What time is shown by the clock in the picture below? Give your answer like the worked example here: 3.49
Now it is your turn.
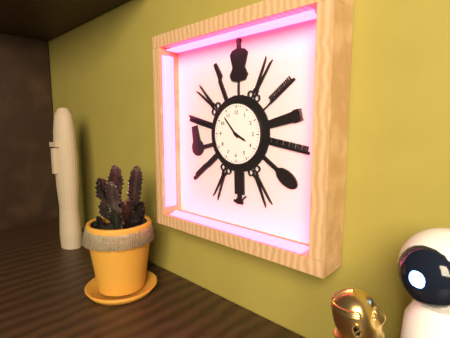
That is 3.53
